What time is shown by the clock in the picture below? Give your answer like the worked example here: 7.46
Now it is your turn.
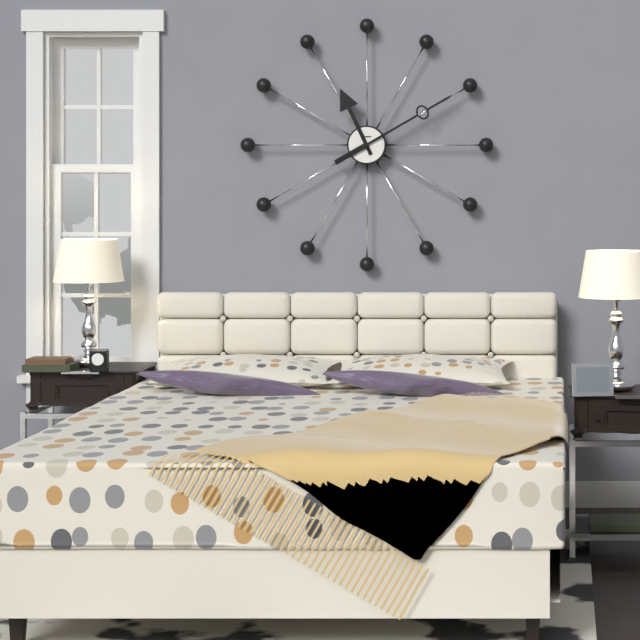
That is 11.10
